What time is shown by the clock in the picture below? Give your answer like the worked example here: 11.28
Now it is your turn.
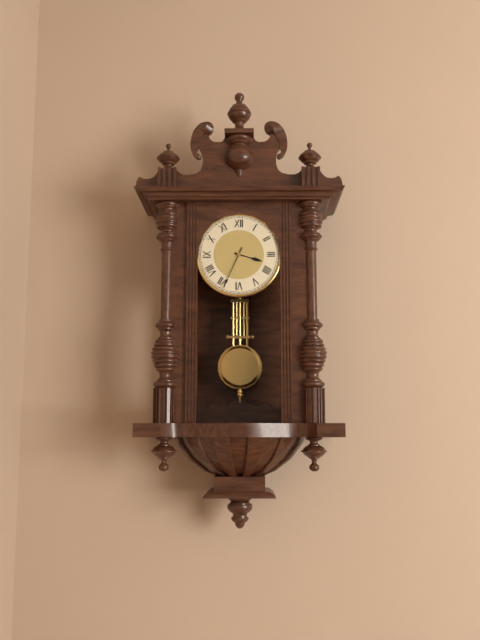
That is 3.34
